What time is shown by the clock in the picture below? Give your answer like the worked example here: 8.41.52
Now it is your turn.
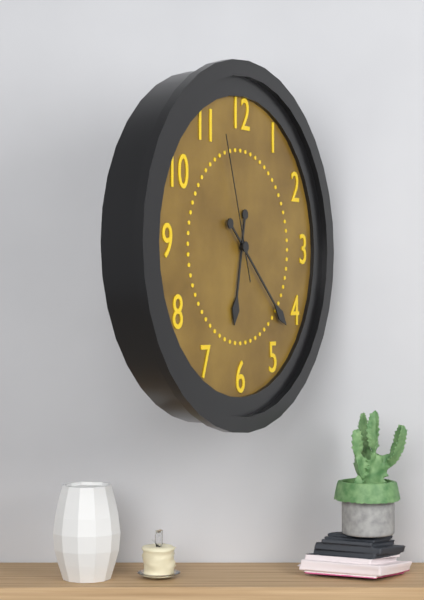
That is 6.22.57
